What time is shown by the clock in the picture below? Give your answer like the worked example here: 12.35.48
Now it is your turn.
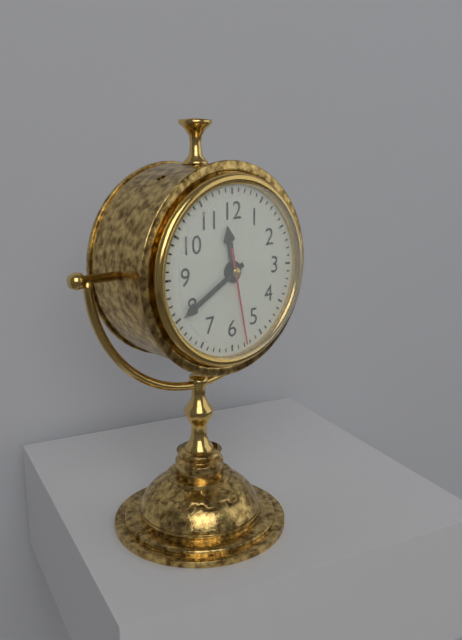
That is 11.40.28
